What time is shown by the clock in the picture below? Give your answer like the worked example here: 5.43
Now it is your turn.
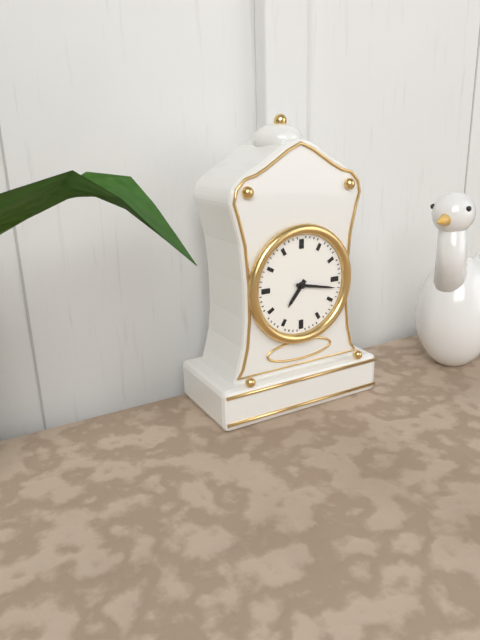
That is 7.17
